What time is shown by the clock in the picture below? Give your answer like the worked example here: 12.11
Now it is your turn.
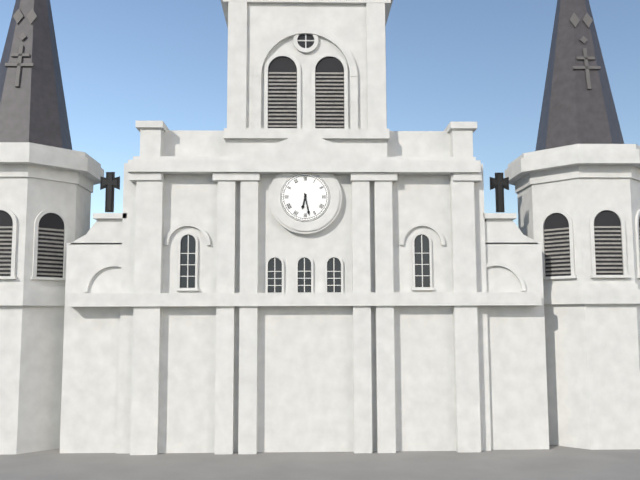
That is 6.28
